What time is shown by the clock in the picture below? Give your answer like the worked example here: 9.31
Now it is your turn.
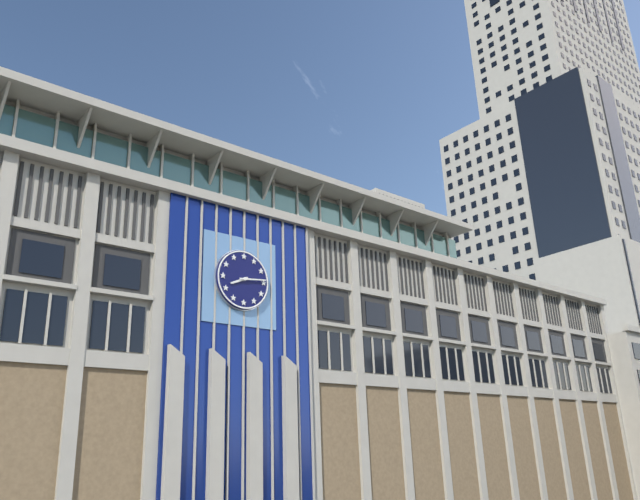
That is 8.14
